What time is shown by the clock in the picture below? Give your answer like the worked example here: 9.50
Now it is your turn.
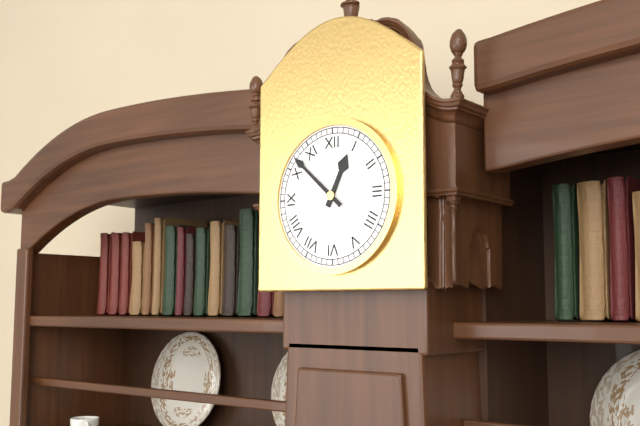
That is 12.52
